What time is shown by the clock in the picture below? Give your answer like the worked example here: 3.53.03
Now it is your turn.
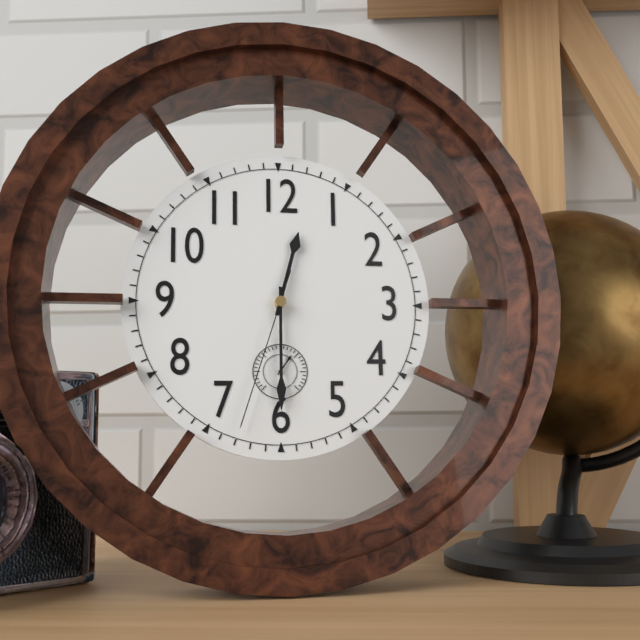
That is 12.30.33
